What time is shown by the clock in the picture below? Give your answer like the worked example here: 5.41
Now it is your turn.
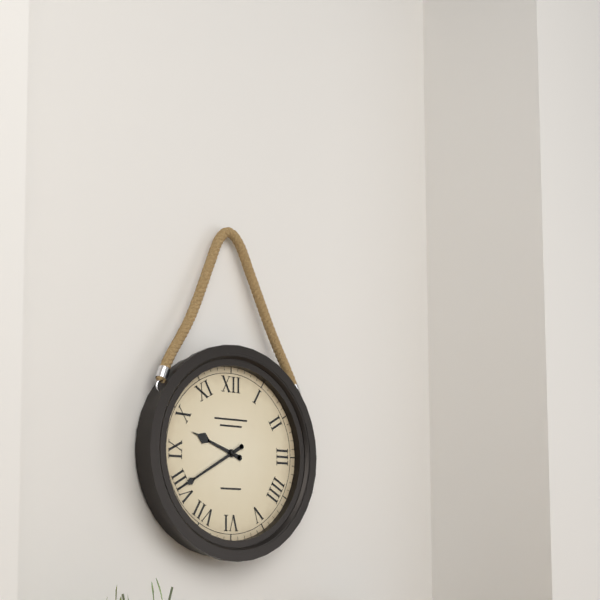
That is 9.40
